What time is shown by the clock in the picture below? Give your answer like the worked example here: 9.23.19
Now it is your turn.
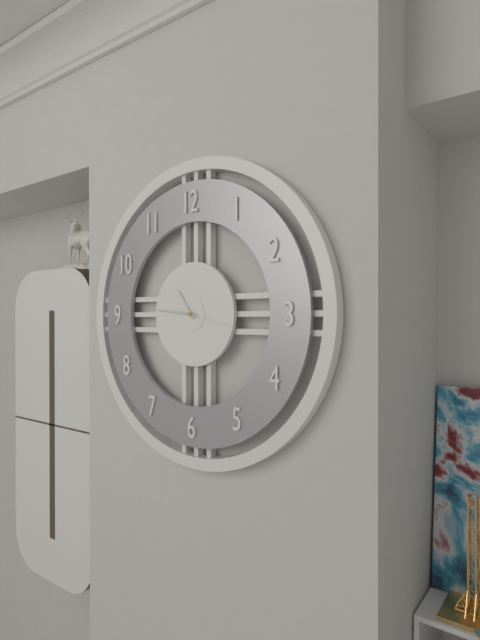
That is 10.46.17
